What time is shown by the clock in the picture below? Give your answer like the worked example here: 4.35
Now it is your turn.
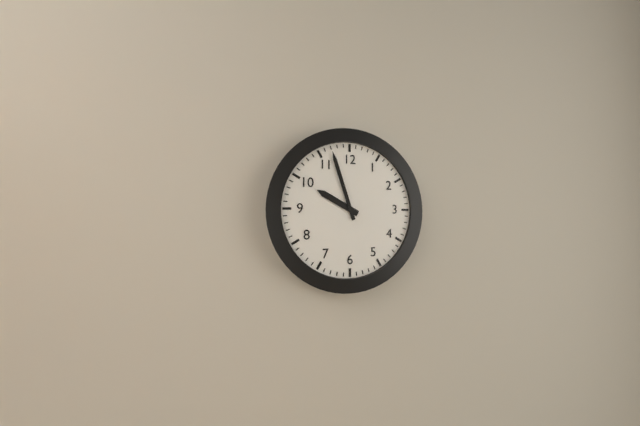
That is 9.57
